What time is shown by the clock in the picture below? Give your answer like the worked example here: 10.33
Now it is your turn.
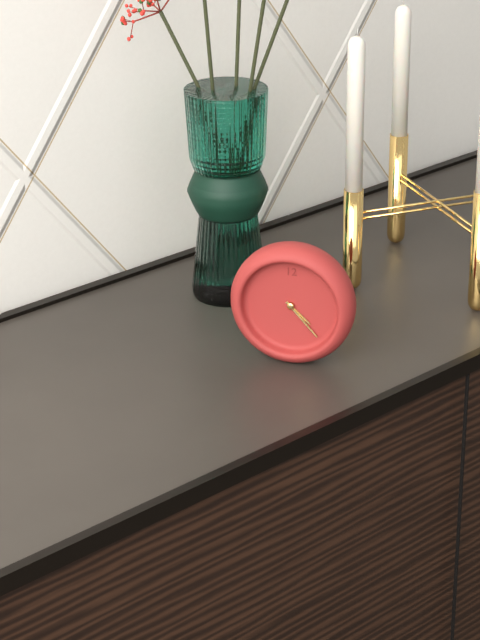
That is 4.23
